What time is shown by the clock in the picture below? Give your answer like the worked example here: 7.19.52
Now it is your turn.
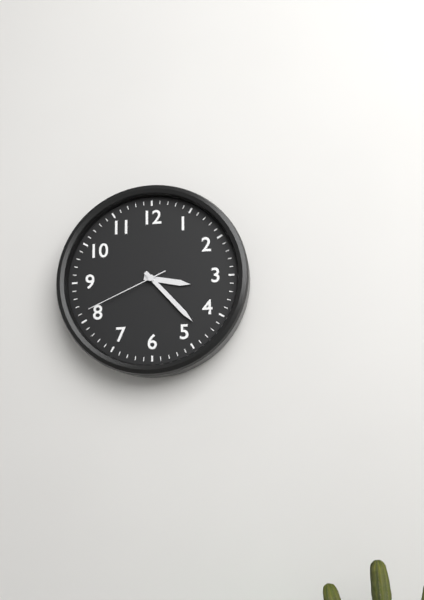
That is 3.23.41
